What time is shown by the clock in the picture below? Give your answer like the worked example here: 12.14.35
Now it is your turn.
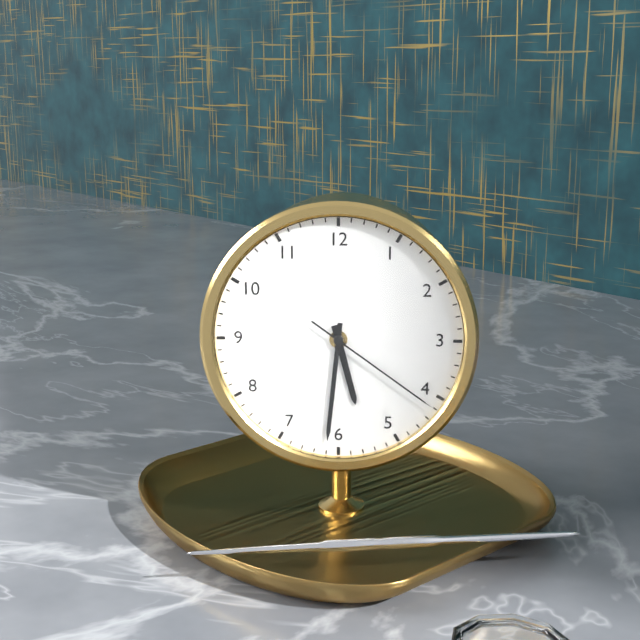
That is 5.31.21
